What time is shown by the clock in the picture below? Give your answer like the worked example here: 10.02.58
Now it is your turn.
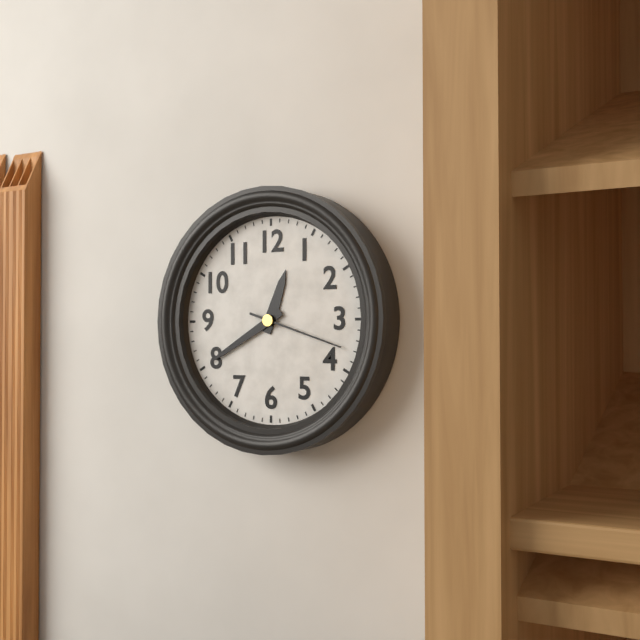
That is 12.40.18
